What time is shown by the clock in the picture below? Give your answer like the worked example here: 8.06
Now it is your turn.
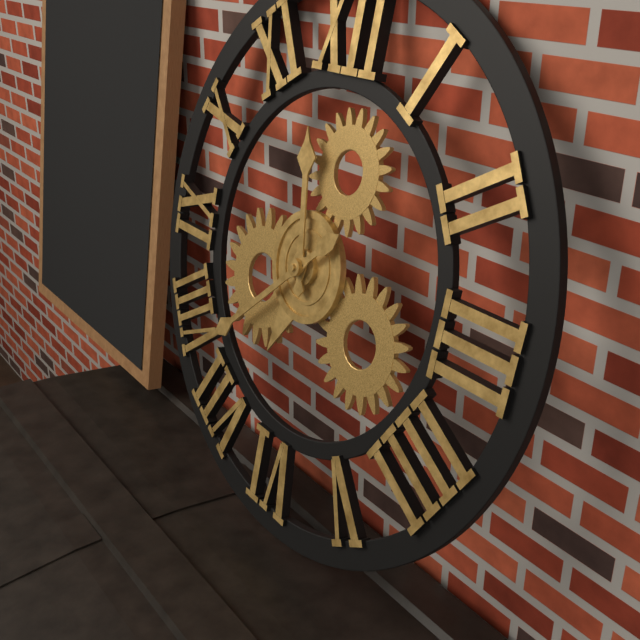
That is 11.38
